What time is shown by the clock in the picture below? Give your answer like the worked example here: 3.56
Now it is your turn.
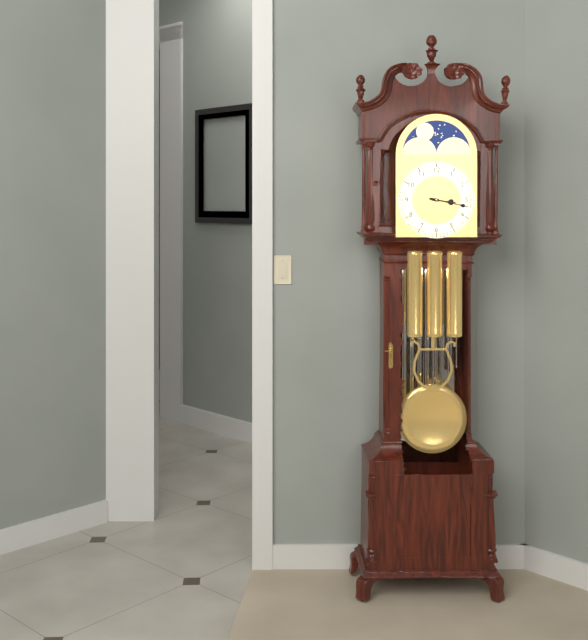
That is 3.17
